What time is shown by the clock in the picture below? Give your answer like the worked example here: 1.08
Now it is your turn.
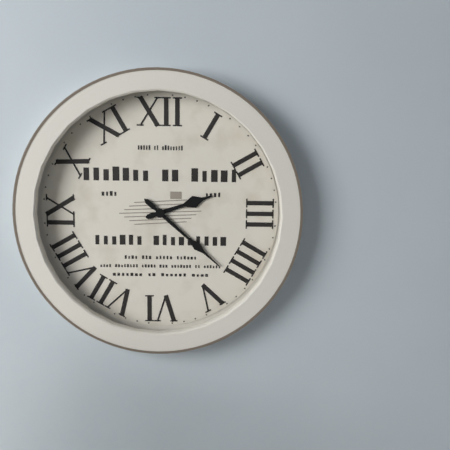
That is 2.22
